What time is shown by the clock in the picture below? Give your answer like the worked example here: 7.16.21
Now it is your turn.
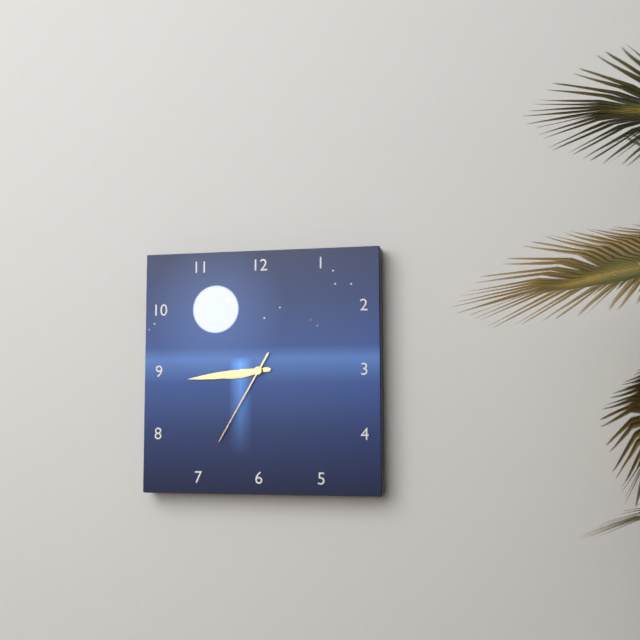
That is 8.44.35
